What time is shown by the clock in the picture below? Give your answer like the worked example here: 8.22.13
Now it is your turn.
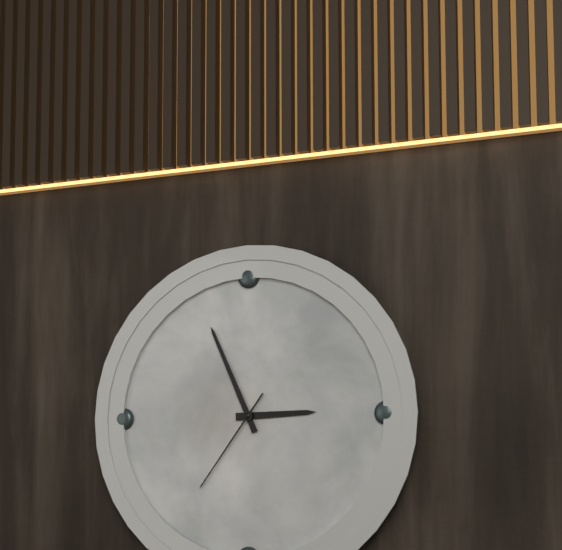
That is 2.56.36
